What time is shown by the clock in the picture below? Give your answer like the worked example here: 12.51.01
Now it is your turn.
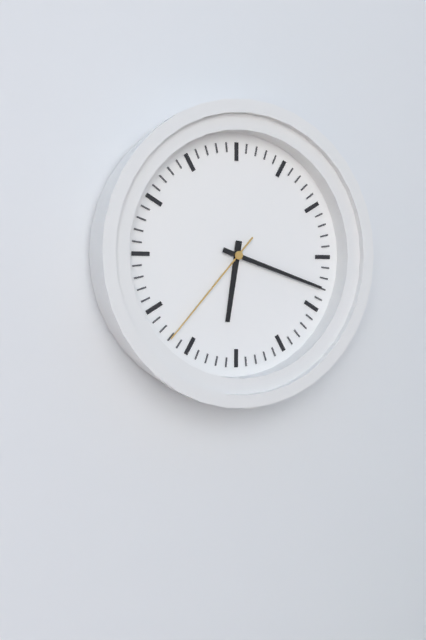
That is 6.18.37
